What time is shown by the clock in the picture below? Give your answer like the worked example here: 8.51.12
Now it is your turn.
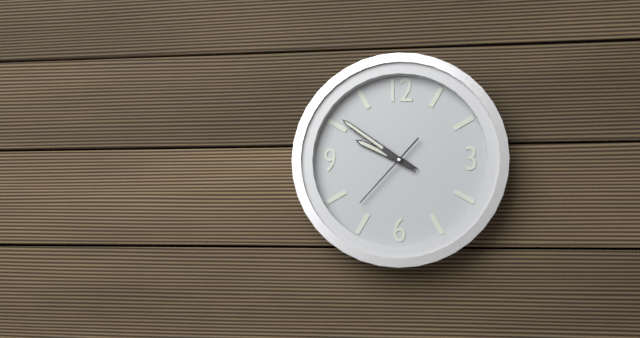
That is 9.51.37
